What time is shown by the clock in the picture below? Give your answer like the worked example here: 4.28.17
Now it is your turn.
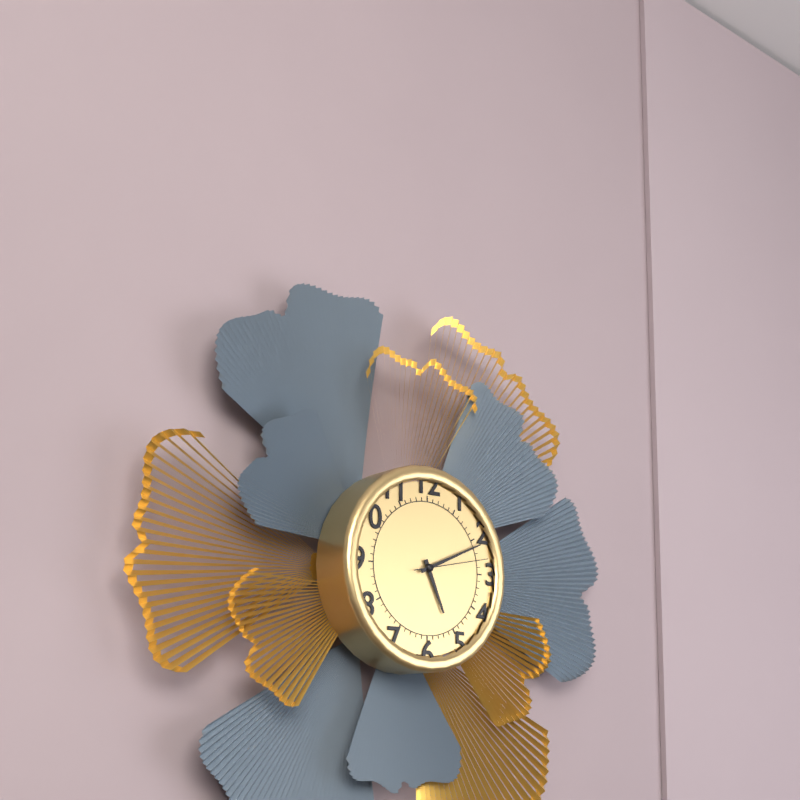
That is 5.11.13
